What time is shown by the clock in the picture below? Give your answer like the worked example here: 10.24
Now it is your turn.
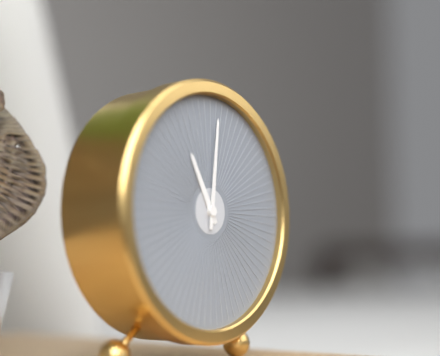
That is 11.01
